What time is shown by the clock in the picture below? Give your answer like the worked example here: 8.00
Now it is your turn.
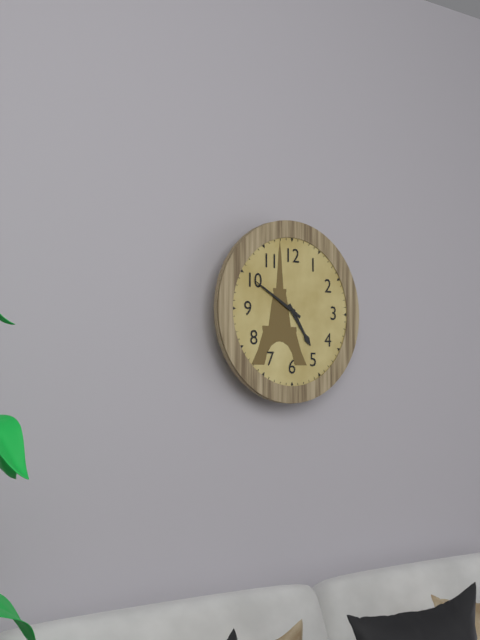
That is 4.50
